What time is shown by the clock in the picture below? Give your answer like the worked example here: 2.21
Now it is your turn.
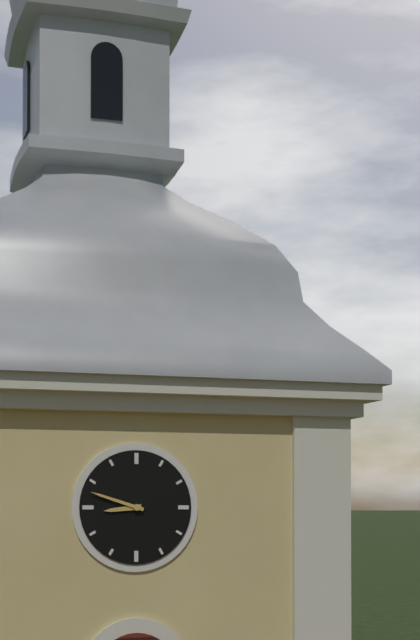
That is 8.48
